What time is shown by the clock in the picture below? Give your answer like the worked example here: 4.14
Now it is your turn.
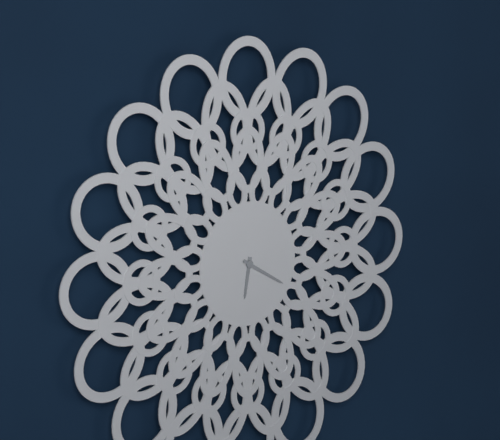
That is 6.20
